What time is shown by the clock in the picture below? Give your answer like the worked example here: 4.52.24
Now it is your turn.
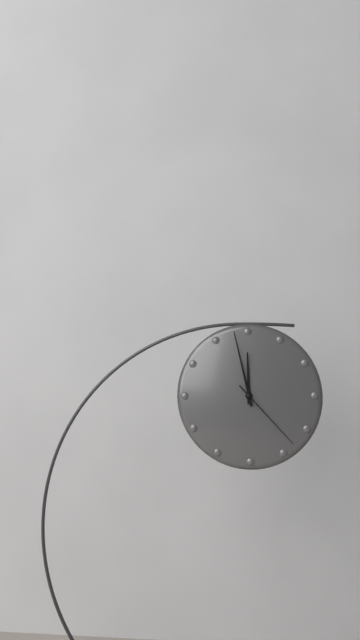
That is 11.58.23
